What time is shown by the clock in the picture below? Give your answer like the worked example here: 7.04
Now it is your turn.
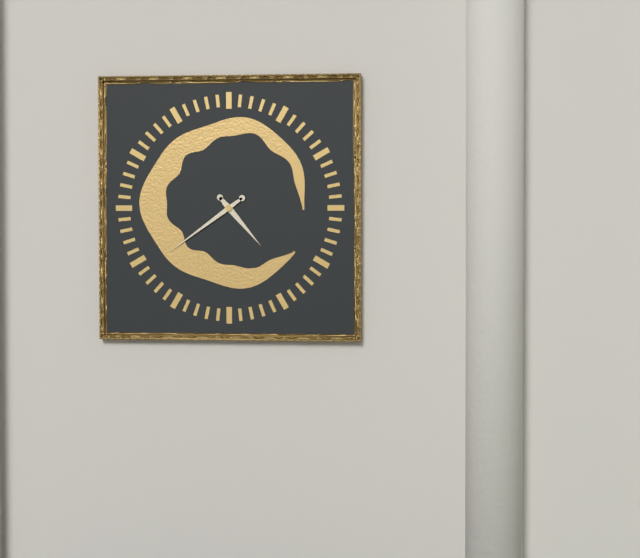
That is 4.39
